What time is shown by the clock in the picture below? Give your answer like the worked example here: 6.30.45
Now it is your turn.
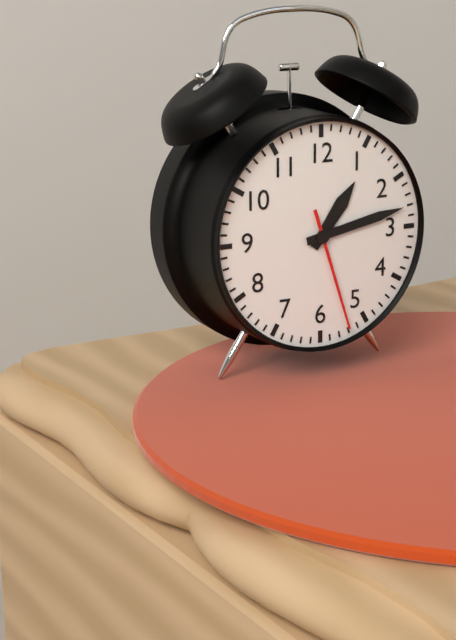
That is 1.13.27
